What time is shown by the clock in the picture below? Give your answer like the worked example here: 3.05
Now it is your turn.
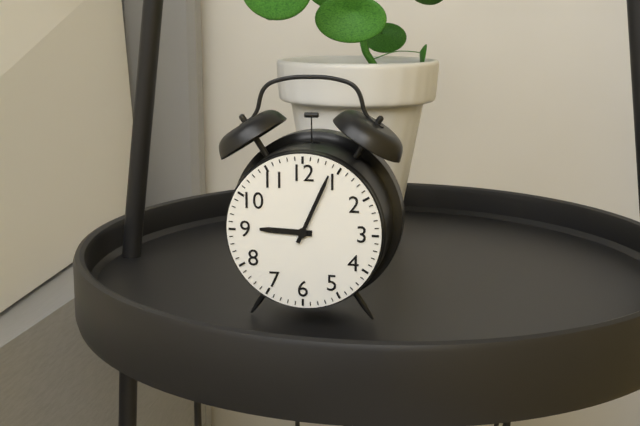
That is 9.04
